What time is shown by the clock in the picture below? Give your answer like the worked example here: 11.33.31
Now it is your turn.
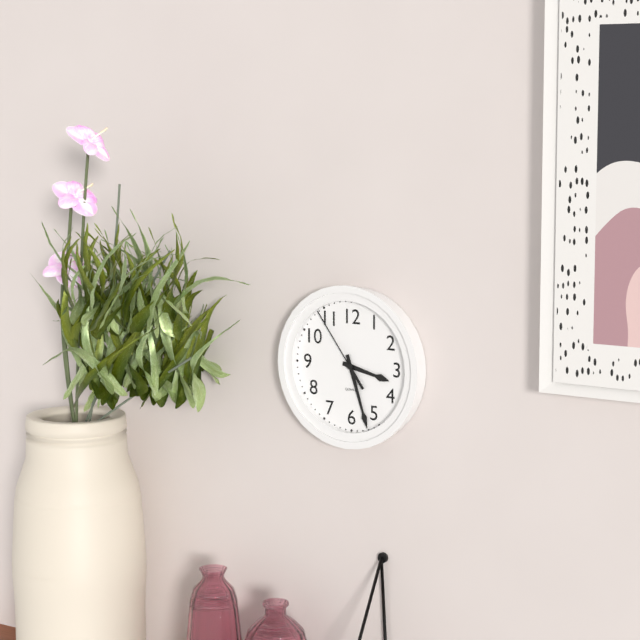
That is 3.27.54
